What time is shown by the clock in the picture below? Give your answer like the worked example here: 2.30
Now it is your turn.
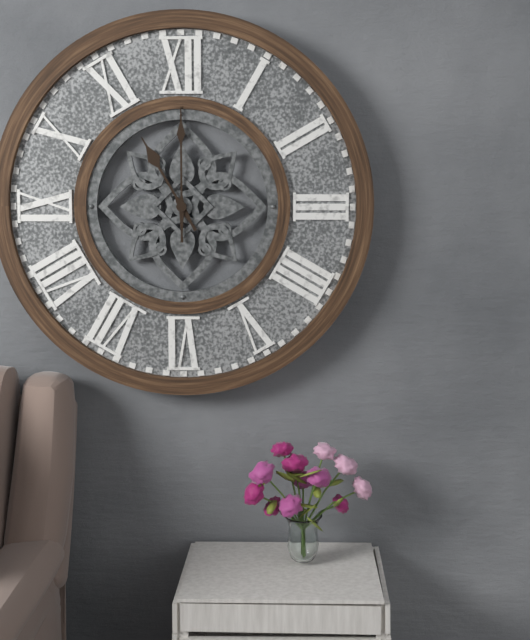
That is 11.00
